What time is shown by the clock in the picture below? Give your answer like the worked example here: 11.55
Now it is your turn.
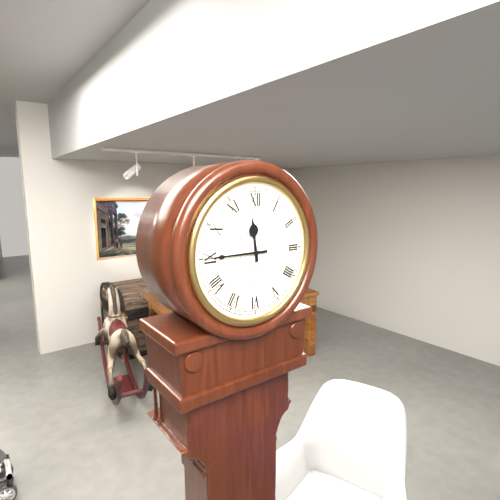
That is 11.45
